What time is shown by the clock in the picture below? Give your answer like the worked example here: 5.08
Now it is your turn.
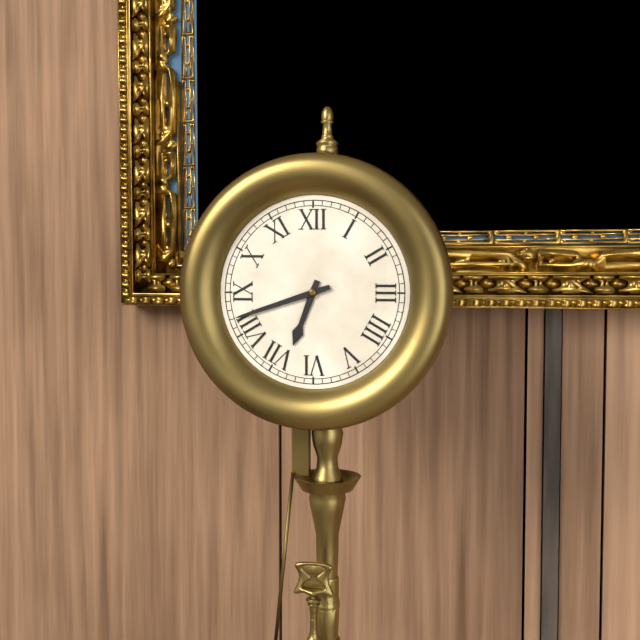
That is 6.42
